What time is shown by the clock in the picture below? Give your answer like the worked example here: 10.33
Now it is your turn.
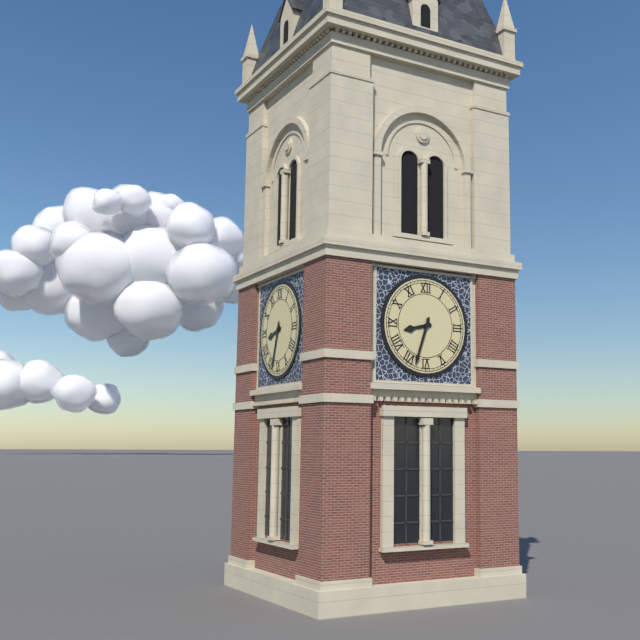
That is 8.33
